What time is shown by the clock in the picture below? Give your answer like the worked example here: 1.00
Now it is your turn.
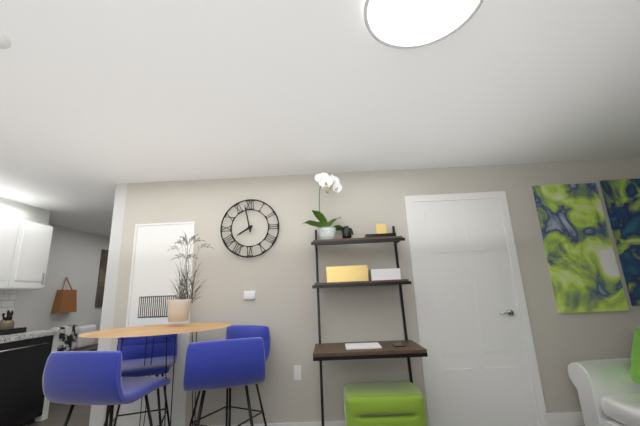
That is 7.58
